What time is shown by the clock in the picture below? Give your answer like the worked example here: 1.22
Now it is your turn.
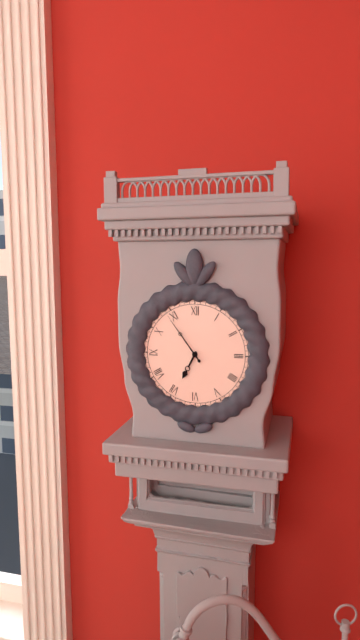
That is 6.54
